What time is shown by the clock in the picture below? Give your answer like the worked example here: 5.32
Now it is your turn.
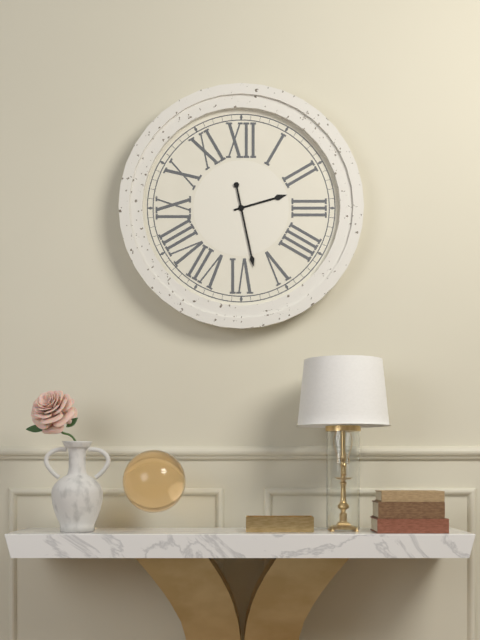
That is 2.28
